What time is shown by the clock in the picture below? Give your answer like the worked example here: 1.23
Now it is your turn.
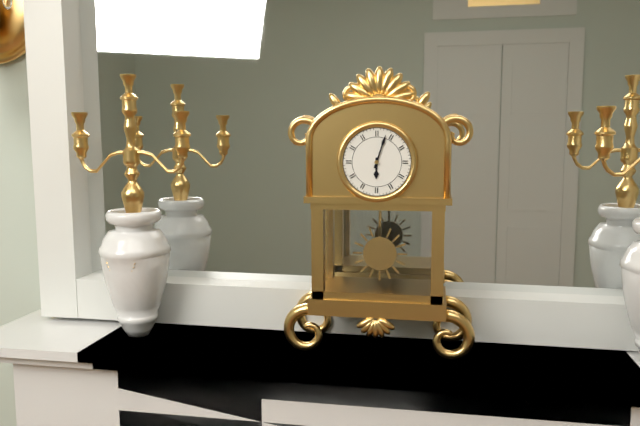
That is 6.03
